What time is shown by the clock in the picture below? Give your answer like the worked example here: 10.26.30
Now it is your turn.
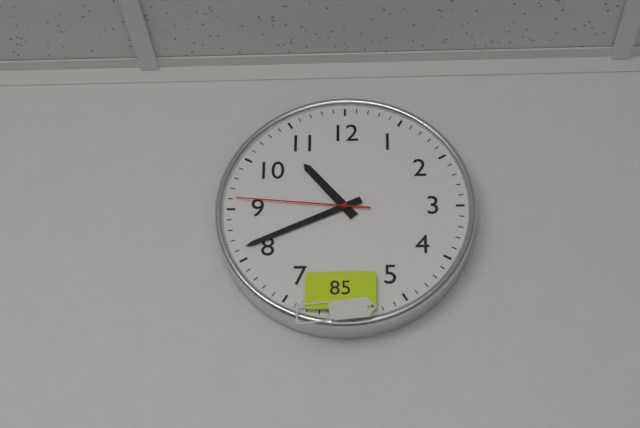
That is 10.41.46
